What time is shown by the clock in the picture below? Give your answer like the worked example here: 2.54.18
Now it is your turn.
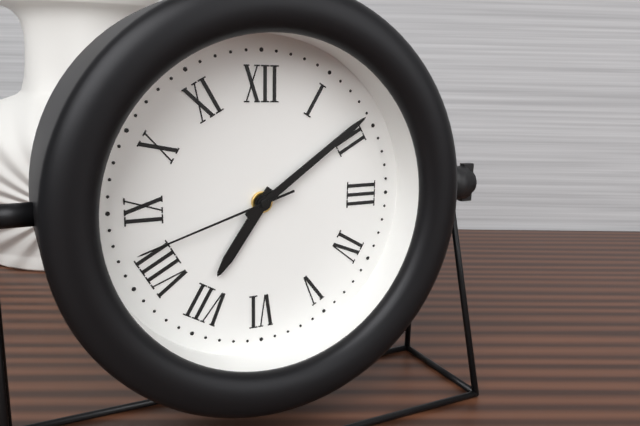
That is 7.09.42
